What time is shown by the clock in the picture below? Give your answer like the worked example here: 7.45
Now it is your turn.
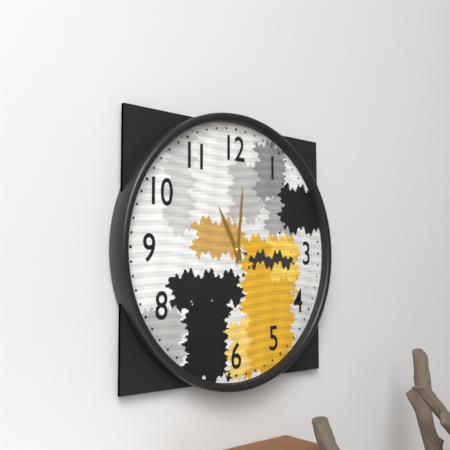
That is 11.01
